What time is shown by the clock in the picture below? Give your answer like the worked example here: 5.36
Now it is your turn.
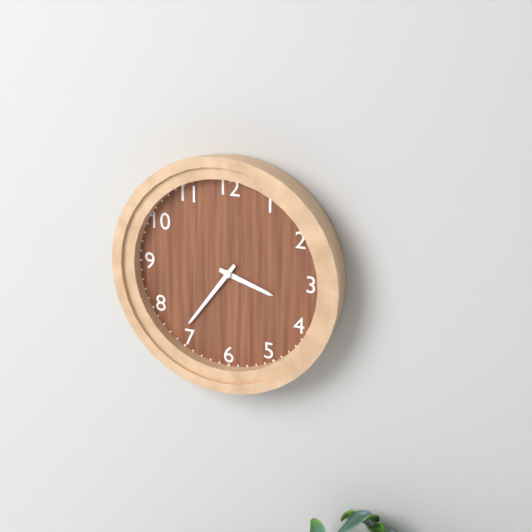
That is 3.36
